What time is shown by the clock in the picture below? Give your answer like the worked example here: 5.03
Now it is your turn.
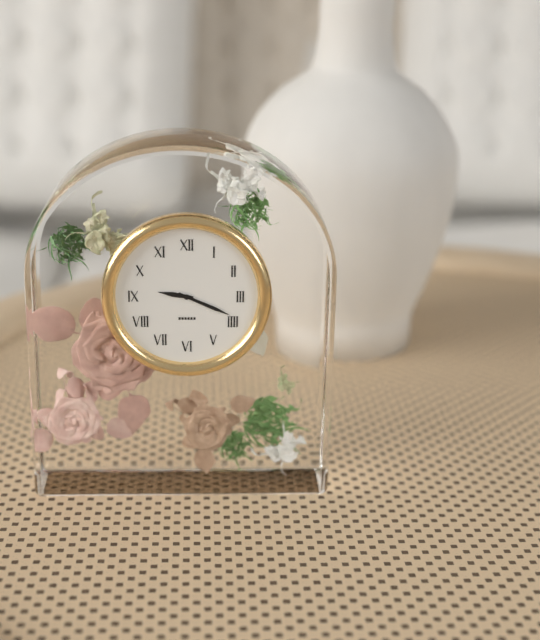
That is 9.19
